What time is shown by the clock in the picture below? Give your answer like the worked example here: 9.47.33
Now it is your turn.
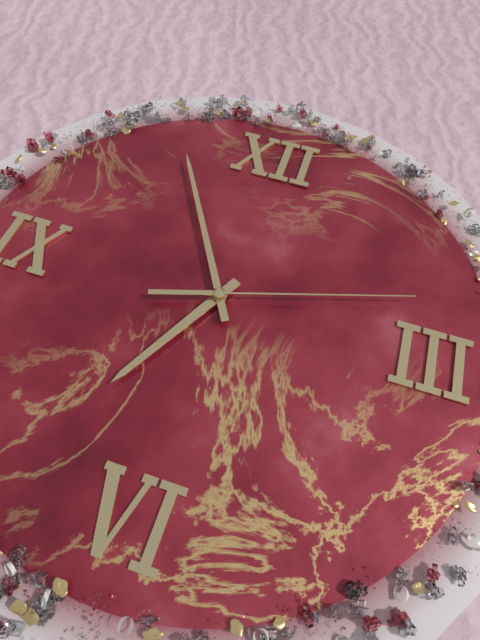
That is 6.55.12
